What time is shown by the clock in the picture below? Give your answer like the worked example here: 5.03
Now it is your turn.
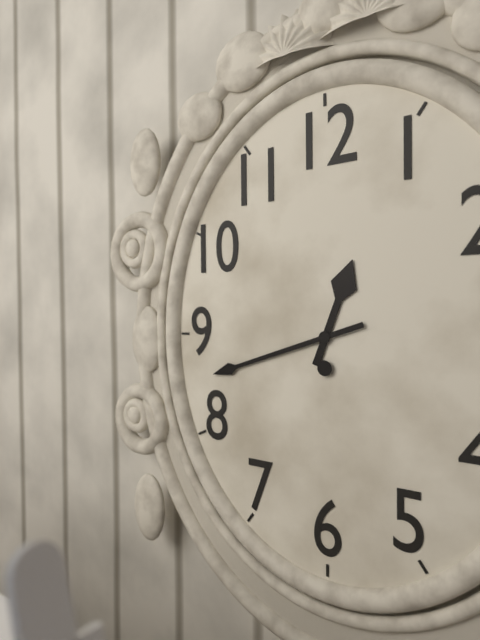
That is 12.42
